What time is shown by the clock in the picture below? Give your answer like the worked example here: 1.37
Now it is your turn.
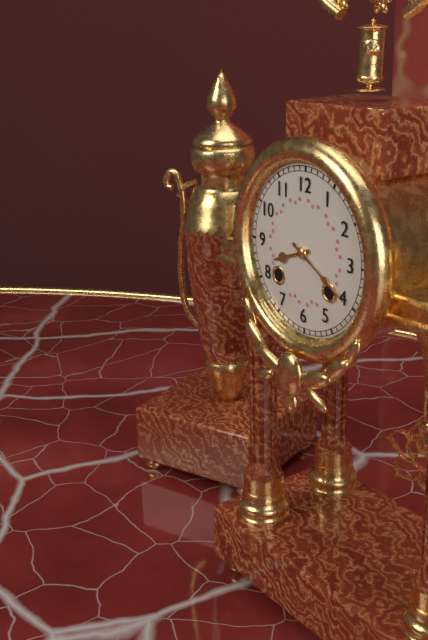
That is 8.20
